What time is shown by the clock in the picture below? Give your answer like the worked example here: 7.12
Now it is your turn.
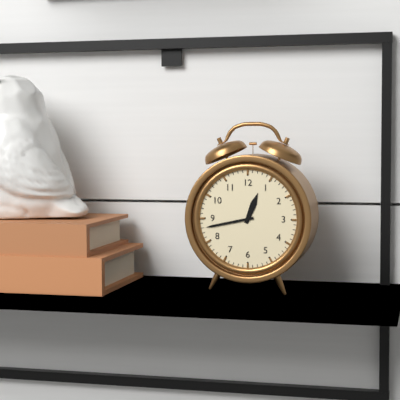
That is 12.43
